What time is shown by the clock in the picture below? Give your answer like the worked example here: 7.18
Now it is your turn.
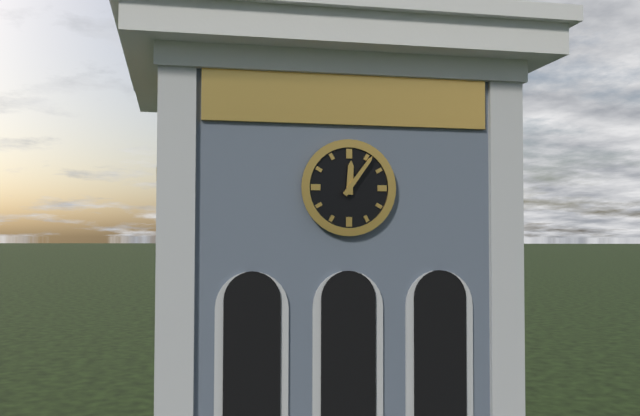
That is 12.06
